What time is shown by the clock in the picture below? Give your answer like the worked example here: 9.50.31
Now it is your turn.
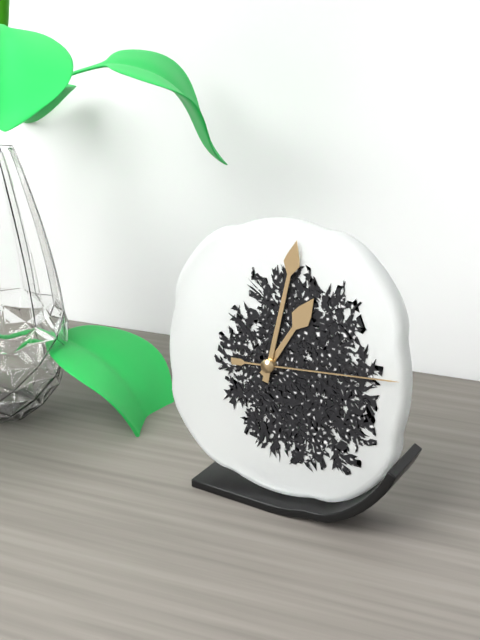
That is 1.02.14
